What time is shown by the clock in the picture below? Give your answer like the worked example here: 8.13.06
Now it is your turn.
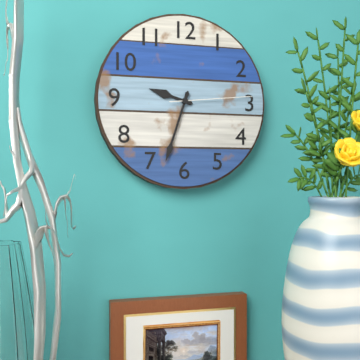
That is 9.33.14
